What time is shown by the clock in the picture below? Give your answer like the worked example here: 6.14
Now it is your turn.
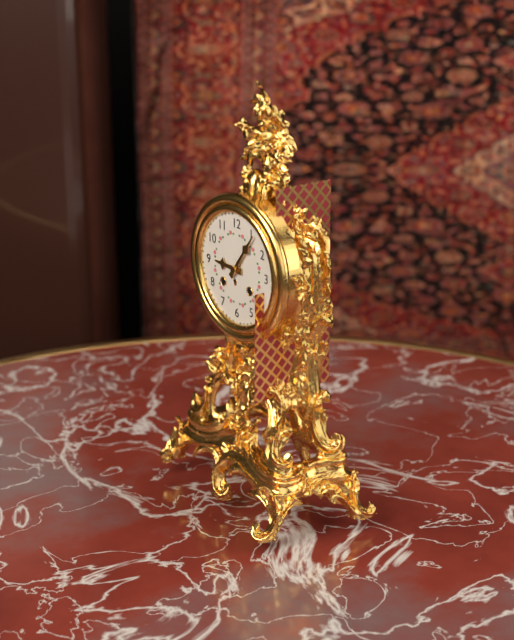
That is 9.06
